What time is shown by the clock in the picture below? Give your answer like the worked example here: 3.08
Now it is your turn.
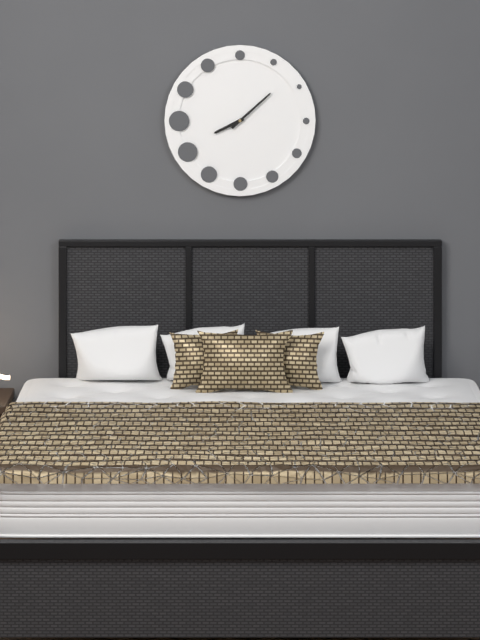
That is 8.08
